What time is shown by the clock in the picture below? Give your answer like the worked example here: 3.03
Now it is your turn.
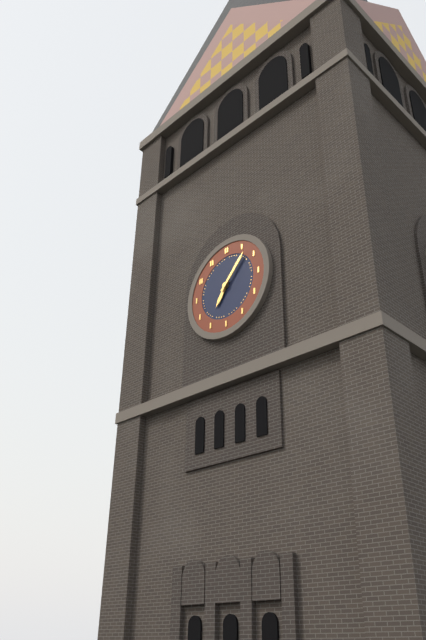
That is 7.07
